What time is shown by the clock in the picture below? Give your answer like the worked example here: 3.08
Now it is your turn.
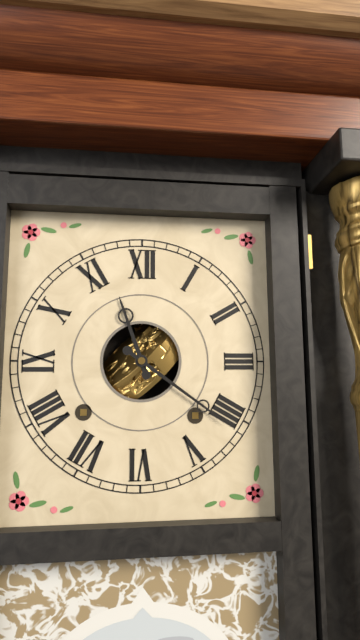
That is 11.21
